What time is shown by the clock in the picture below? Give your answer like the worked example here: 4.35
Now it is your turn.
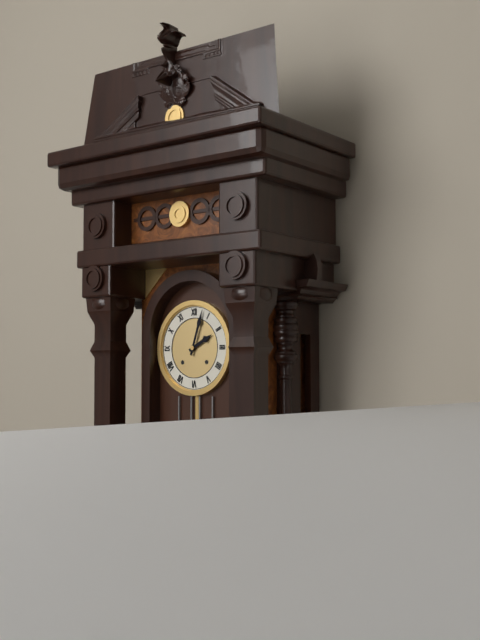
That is 2.03
